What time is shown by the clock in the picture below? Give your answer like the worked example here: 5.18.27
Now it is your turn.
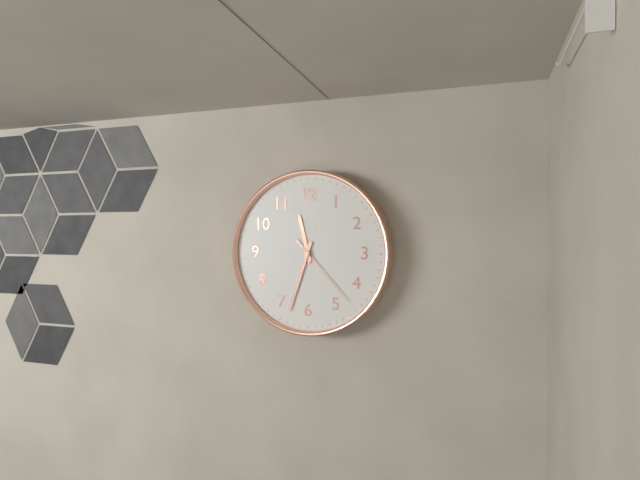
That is 11.33.23
